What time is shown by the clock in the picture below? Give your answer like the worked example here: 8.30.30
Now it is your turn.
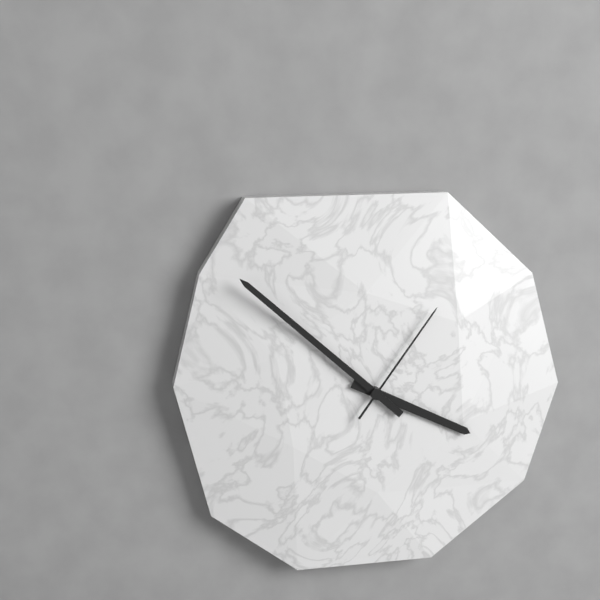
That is 3.52.06
